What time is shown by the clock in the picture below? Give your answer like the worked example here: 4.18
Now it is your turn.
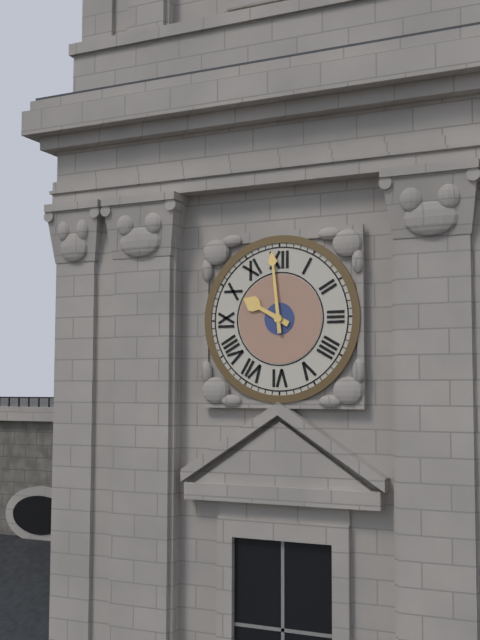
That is 9.59
